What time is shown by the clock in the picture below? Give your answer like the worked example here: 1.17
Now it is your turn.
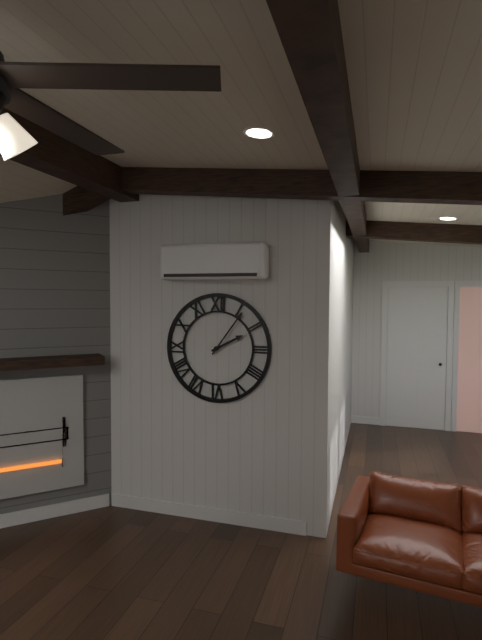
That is 2.06
